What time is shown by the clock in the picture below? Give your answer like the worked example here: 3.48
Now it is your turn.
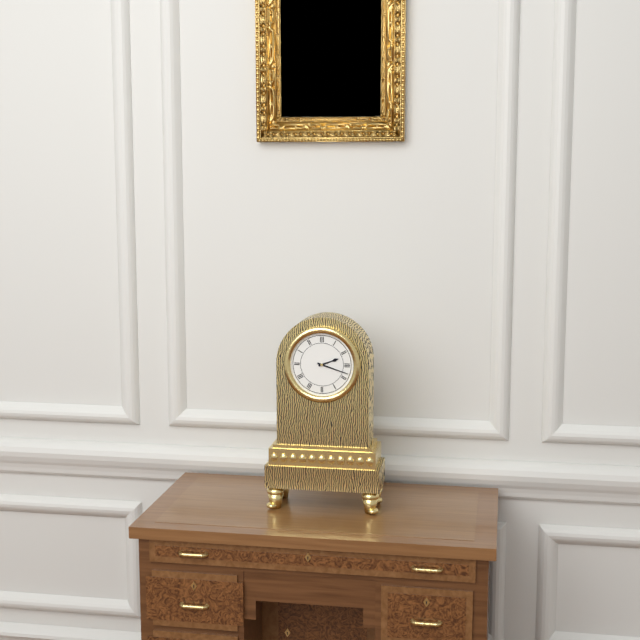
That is 2.18
